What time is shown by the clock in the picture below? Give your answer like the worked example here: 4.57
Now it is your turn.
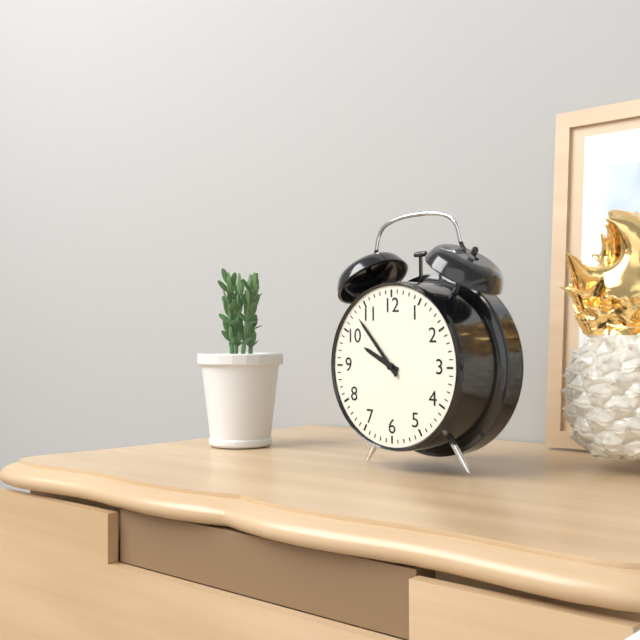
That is 9.53
